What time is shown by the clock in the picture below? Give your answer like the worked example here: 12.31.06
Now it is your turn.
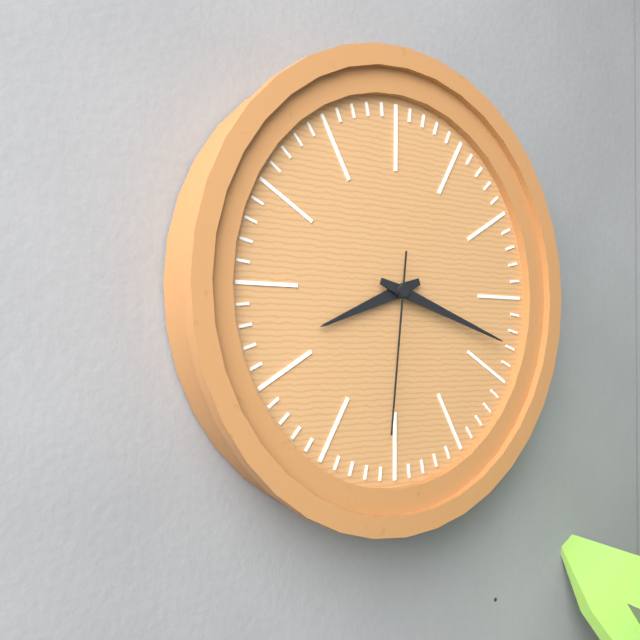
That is 8.18.31
